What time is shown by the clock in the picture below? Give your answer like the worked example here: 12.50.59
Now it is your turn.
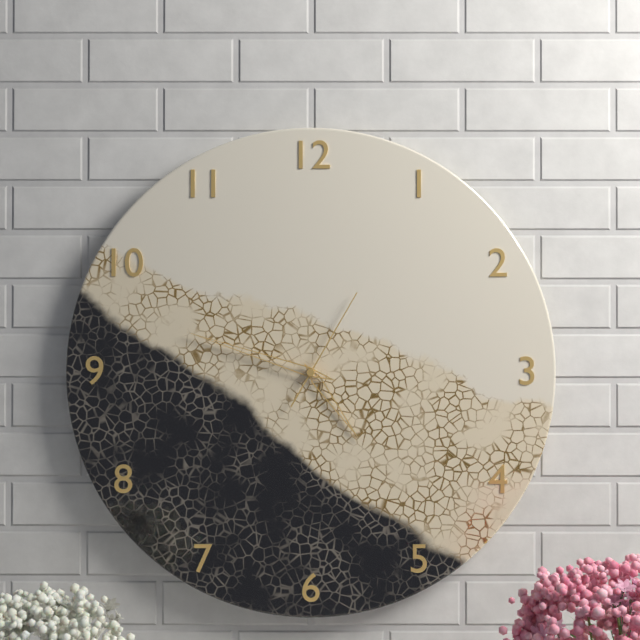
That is 4.48.05
